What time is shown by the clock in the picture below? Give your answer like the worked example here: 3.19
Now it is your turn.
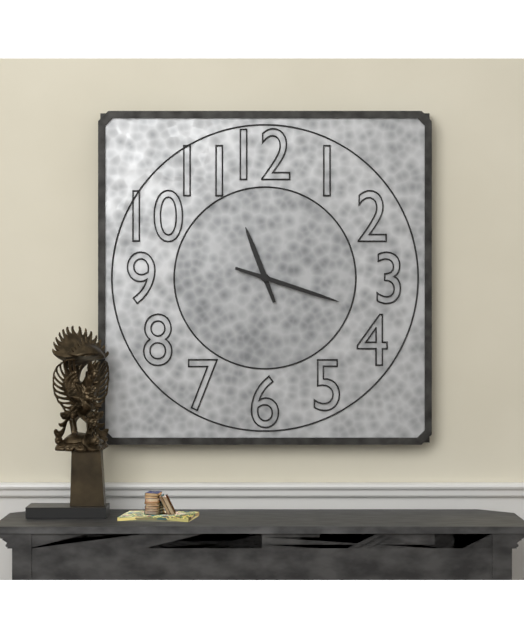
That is 11.18
